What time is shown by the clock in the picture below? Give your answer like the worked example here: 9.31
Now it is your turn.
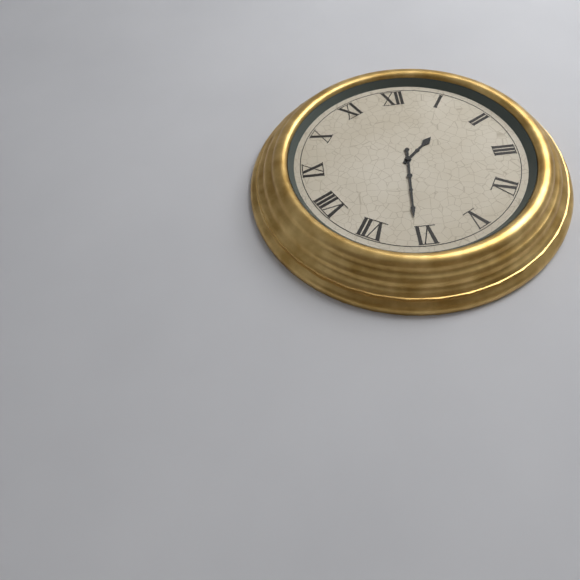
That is 1.31
